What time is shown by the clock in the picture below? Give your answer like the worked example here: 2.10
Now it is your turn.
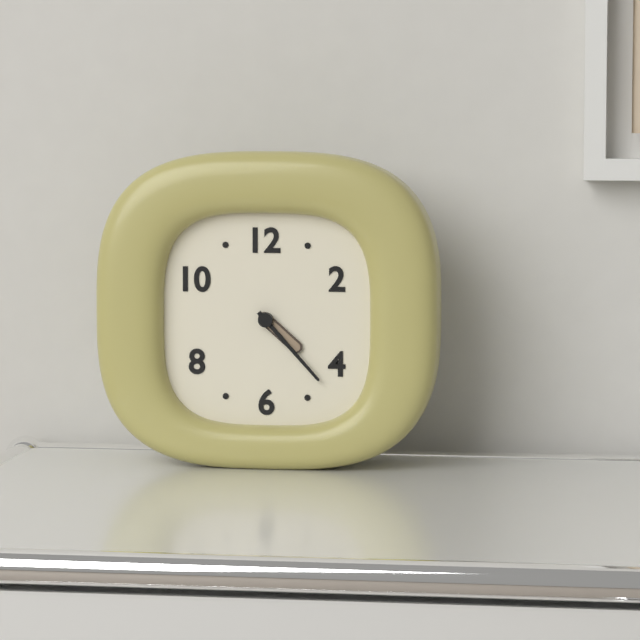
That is 4.23
